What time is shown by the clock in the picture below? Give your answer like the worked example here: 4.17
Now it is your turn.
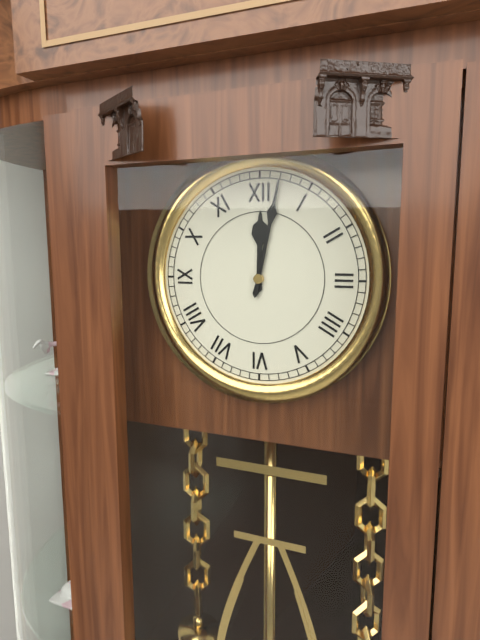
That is 12.02
